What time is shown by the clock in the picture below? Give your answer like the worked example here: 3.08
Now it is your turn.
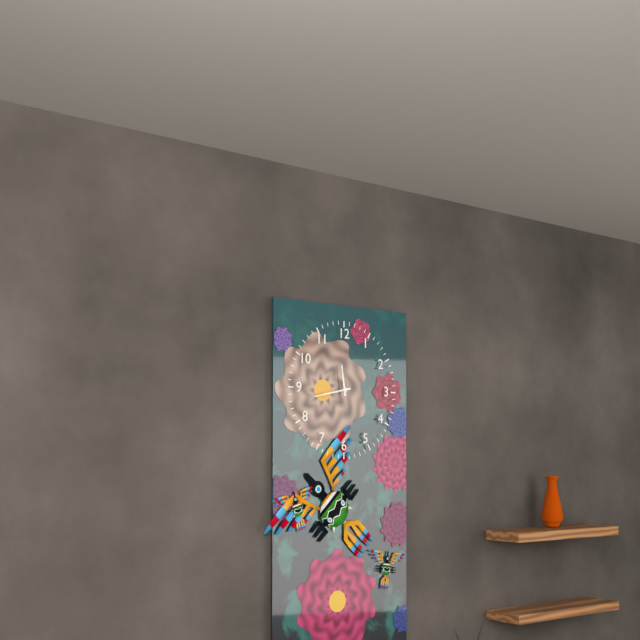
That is 11.43
